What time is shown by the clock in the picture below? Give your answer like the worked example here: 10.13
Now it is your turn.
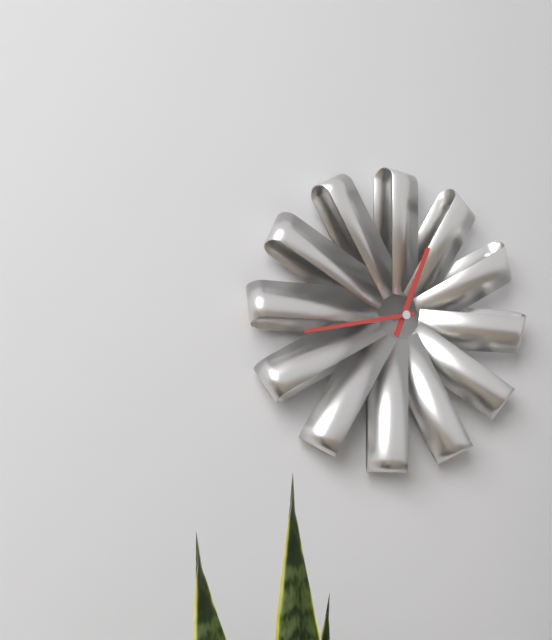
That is 12.43
